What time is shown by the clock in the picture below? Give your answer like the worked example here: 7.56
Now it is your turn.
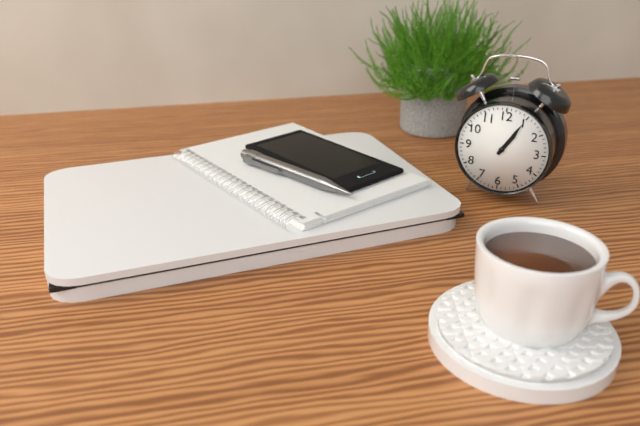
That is 1.05
